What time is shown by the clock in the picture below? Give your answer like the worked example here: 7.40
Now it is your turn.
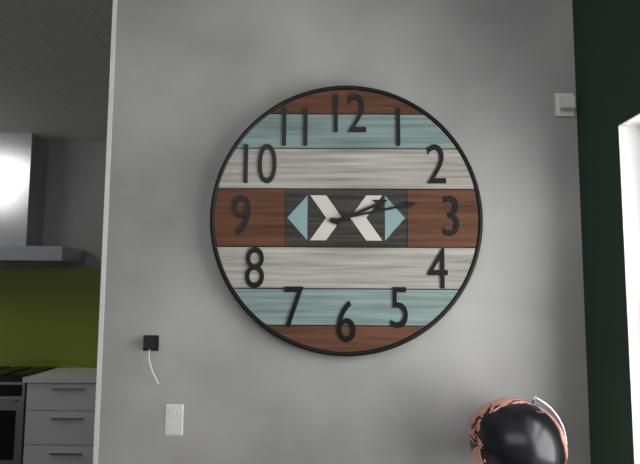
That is 2.13
